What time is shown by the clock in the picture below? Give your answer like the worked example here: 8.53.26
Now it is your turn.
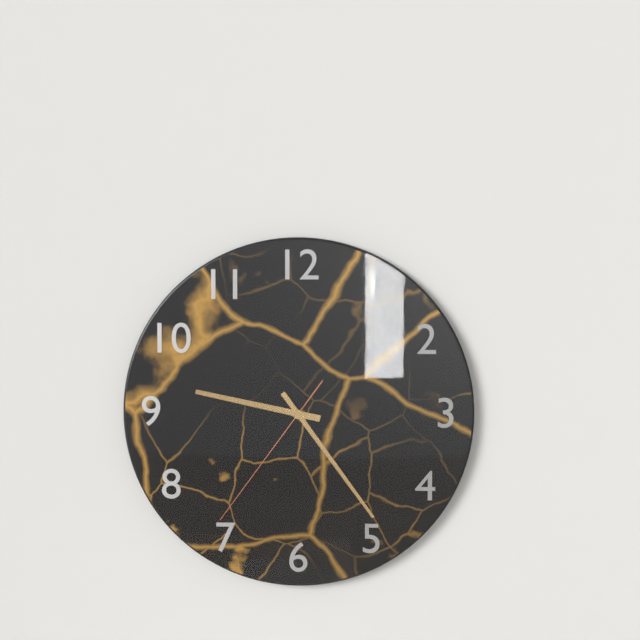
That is 9.24.36
